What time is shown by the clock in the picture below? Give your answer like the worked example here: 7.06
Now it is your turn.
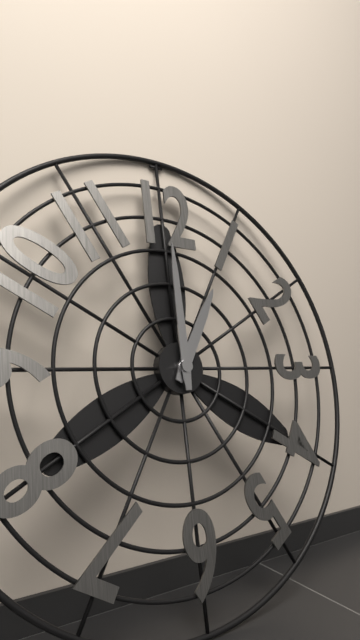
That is 1.00
